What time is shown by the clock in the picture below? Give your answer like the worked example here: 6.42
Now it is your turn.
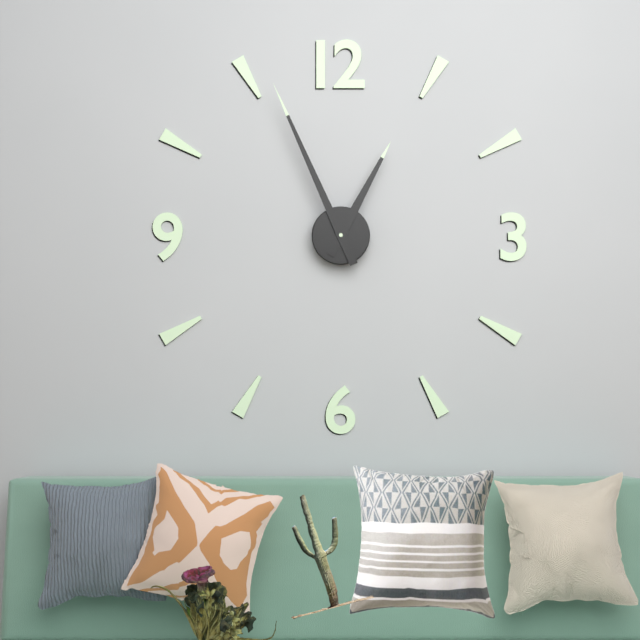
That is 12.56
